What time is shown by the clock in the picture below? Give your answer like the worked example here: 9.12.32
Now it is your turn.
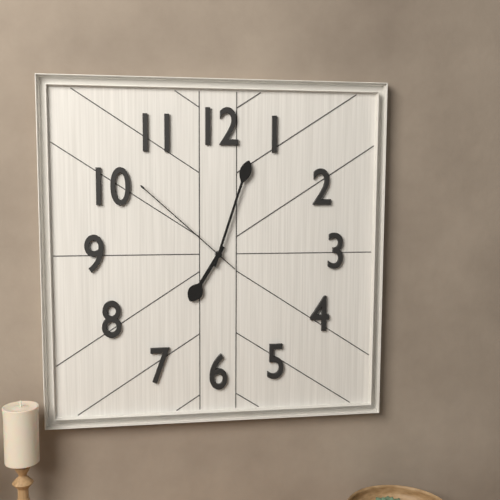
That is 7.03.52
